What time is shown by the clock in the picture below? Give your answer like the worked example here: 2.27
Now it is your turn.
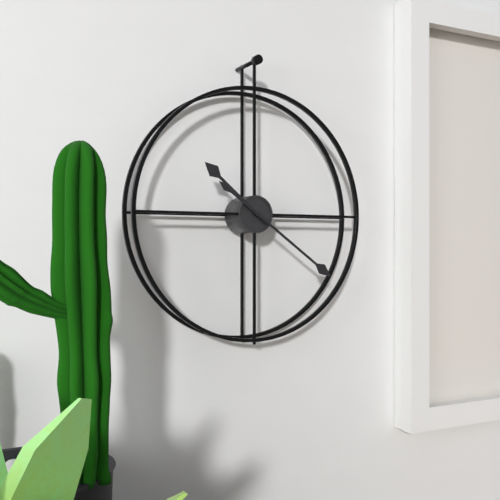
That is 10.21
